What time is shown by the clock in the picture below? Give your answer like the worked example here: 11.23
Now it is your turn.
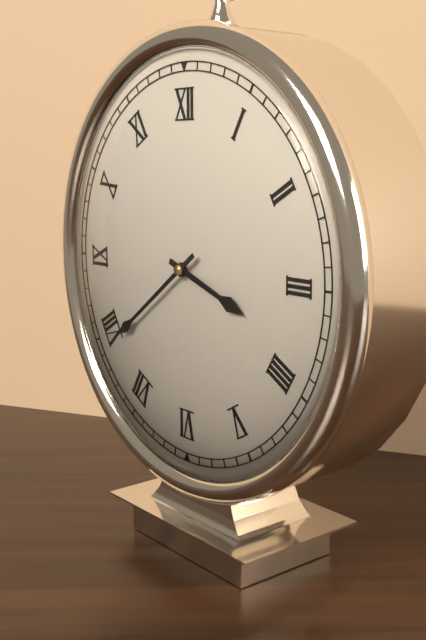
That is 3.39
